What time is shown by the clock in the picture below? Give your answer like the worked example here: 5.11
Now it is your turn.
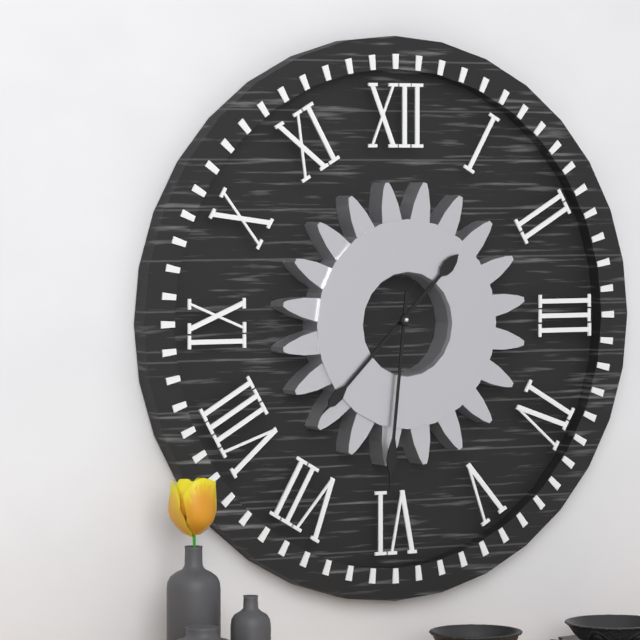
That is 7.31
